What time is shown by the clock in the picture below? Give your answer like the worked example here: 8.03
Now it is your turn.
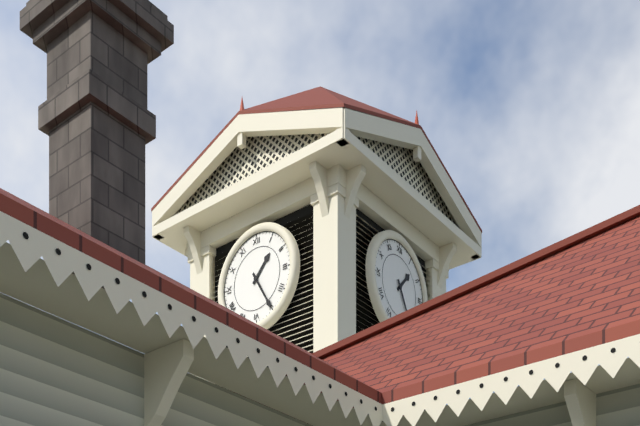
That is 1.25
